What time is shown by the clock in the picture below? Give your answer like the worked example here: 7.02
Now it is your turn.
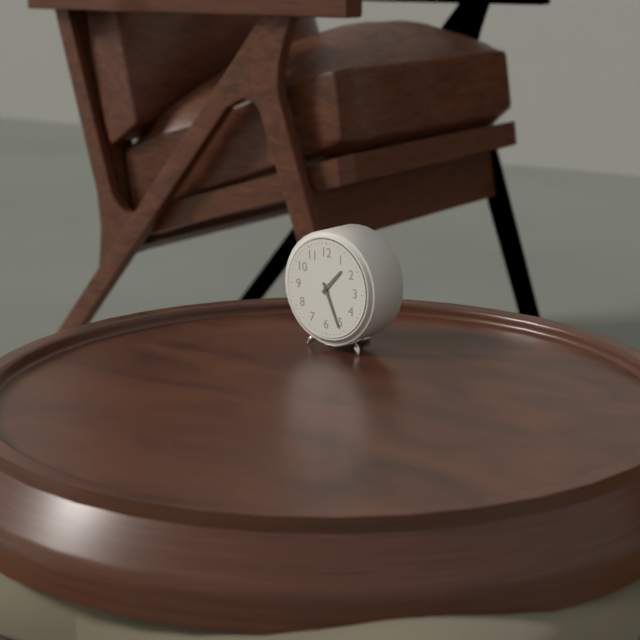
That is 1.26
